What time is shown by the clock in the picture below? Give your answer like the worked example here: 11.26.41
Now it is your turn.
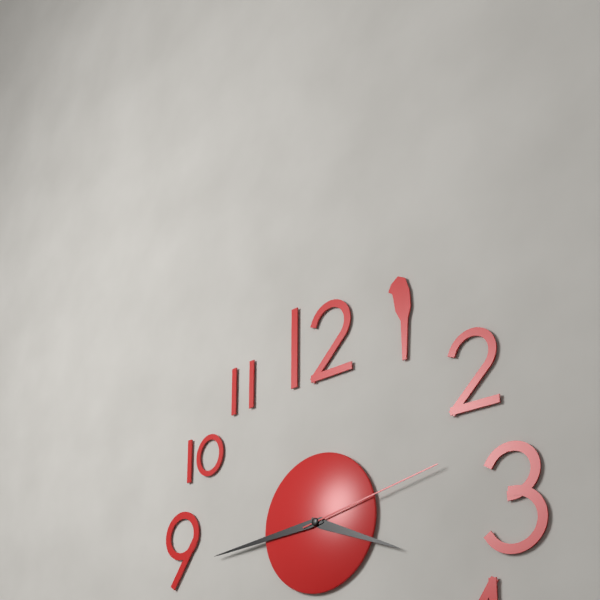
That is 3.44.13
